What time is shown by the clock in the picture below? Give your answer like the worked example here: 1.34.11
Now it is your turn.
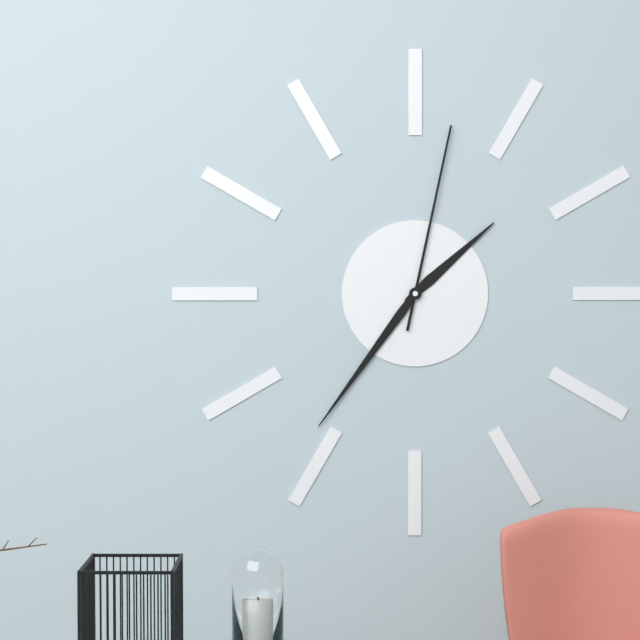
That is 1.36.02
